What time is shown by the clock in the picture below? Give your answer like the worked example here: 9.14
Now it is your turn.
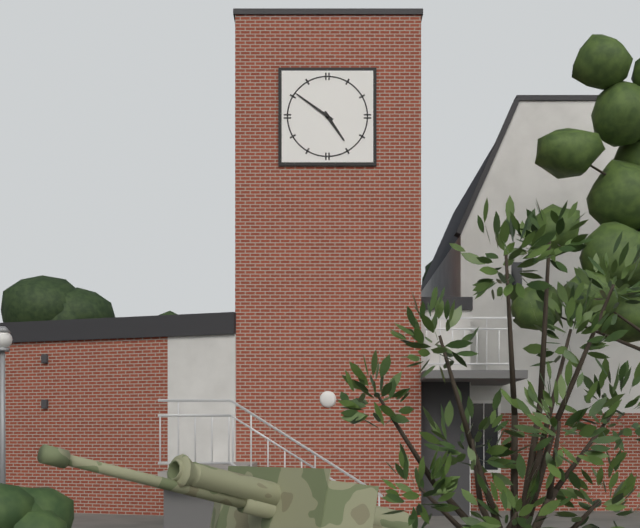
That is 4.51
